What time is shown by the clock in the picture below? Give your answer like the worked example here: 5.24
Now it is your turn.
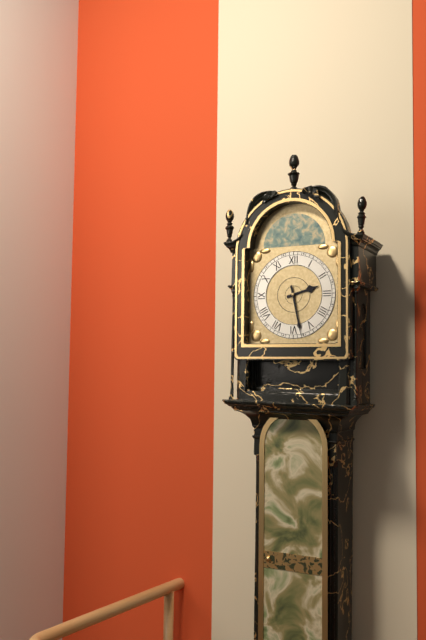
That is 2.28
